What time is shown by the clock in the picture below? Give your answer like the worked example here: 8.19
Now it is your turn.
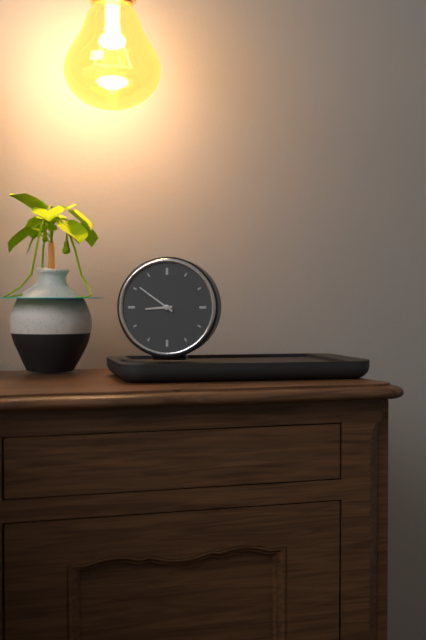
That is 8.51
